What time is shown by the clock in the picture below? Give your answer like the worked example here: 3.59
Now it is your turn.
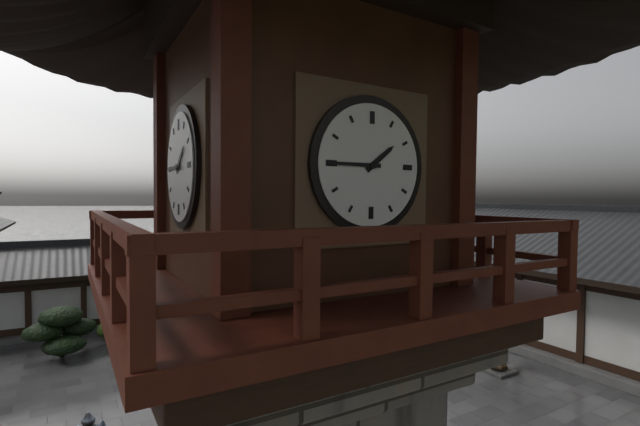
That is 1.45
